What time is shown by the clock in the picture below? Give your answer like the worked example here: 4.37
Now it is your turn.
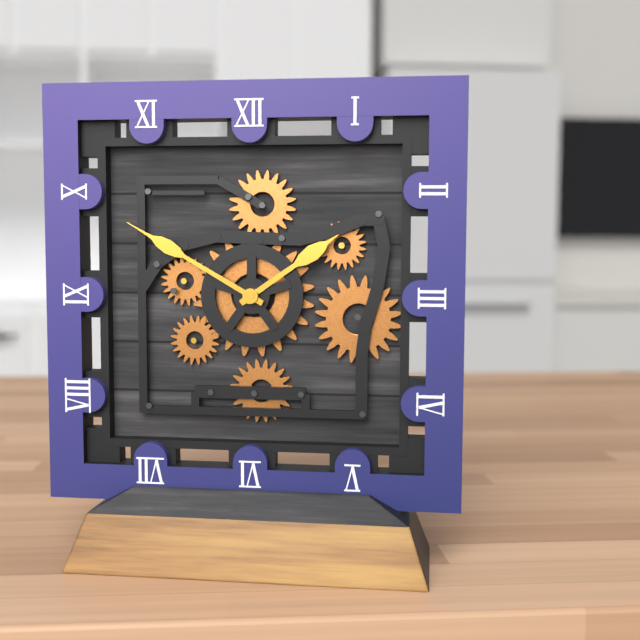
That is 1.50
